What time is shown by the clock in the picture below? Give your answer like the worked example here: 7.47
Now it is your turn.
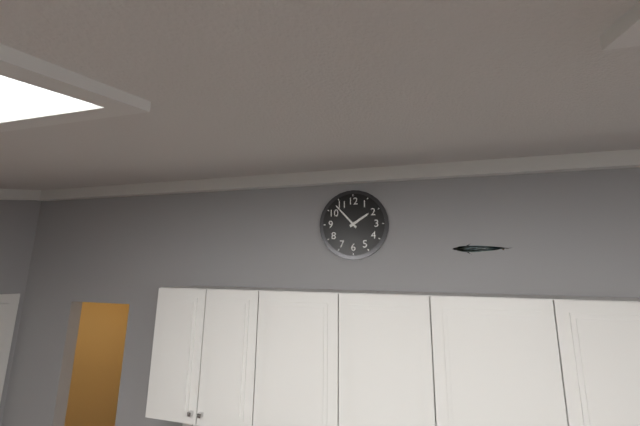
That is 1.53
